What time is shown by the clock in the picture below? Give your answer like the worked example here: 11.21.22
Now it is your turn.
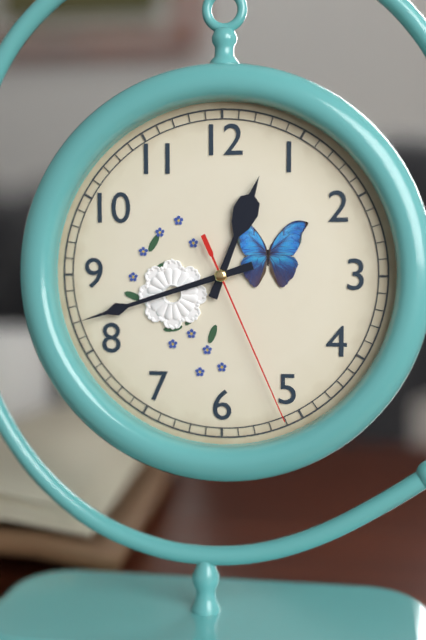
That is 12.42.26
